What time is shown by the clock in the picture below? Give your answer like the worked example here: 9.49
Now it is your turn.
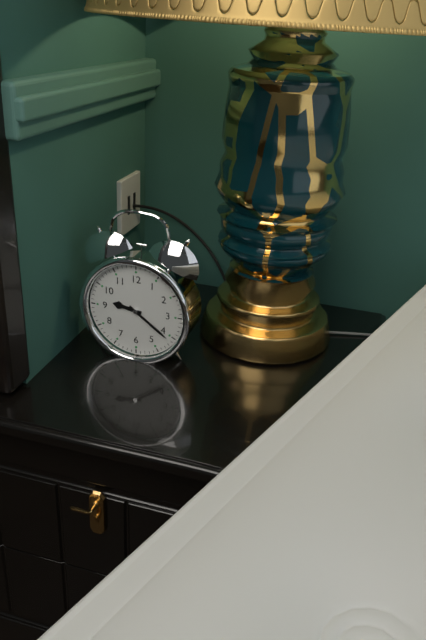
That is 9.21
